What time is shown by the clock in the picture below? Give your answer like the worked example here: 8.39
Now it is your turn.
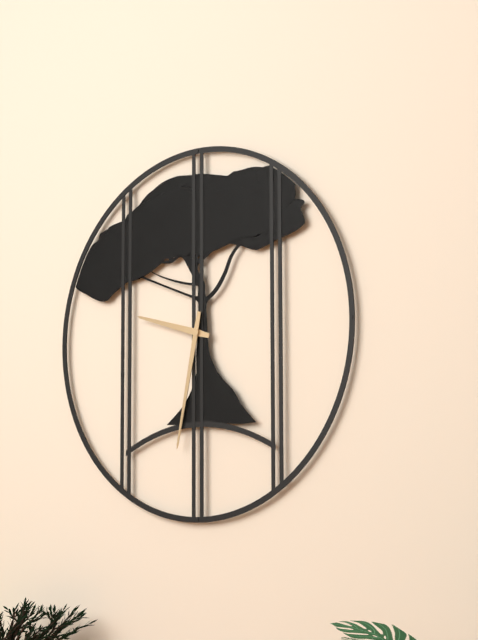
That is 9.32
